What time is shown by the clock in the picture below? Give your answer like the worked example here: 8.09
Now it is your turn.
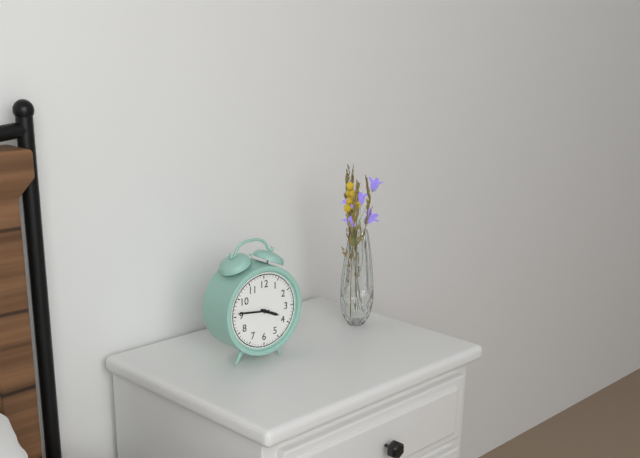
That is 3.46
